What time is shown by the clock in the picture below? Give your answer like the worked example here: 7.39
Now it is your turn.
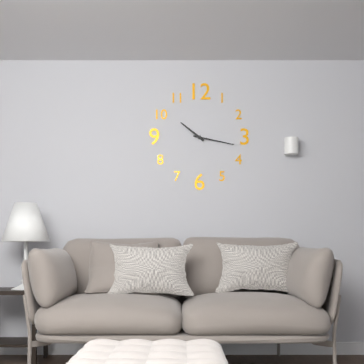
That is 10.17
